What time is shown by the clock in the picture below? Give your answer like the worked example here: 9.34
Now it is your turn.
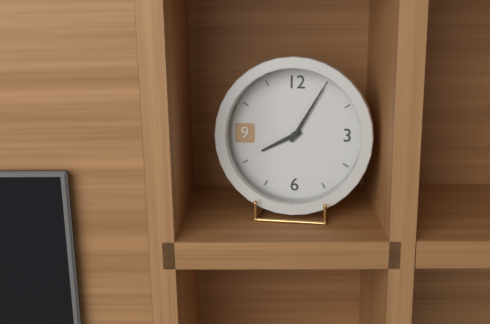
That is 8.05
